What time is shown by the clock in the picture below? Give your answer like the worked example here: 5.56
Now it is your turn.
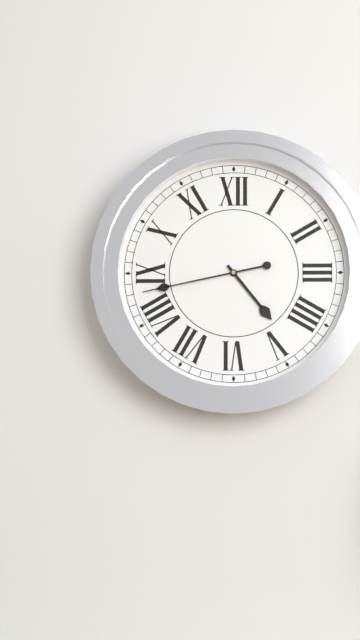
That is 4.43
